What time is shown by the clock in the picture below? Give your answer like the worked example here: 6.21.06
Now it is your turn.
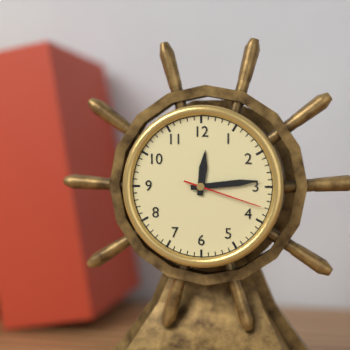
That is 12.14.18
